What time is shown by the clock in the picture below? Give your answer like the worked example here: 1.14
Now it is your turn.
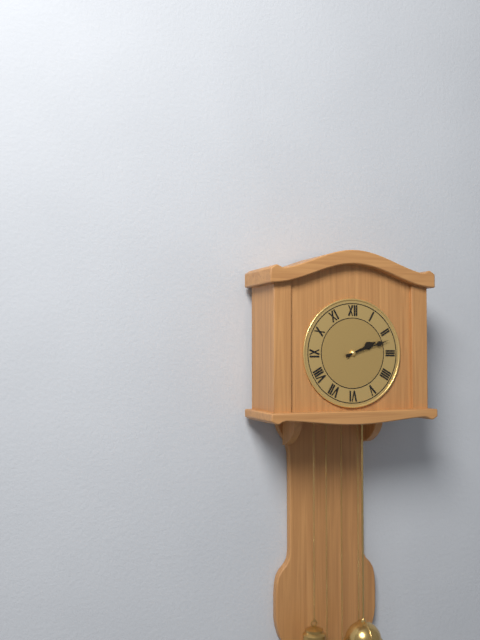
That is 2.12
